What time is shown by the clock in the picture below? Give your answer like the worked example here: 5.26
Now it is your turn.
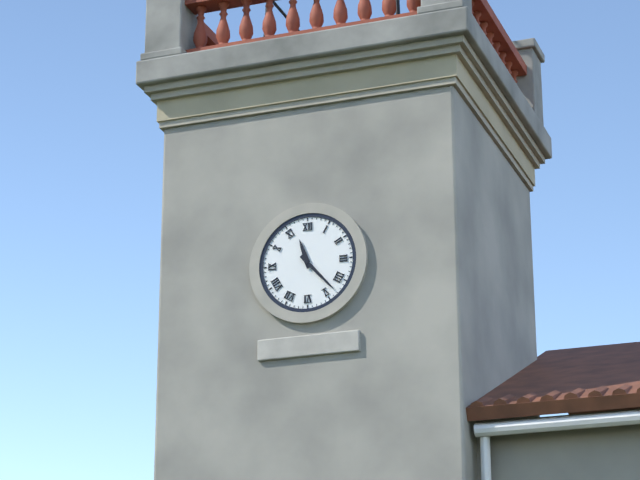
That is 11.23
